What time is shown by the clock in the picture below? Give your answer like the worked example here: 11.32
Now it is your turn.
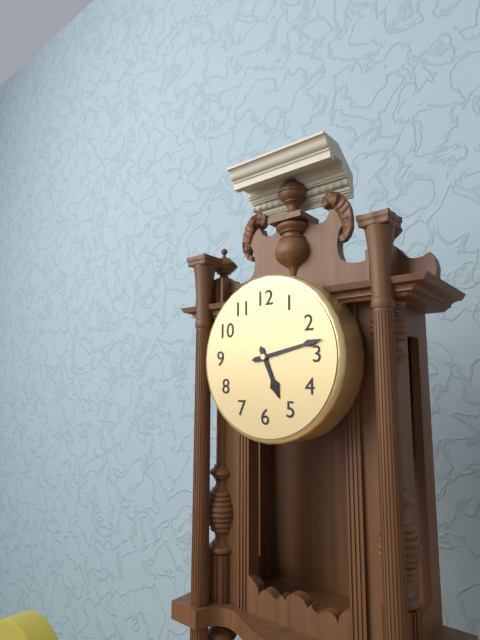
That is 5.13
